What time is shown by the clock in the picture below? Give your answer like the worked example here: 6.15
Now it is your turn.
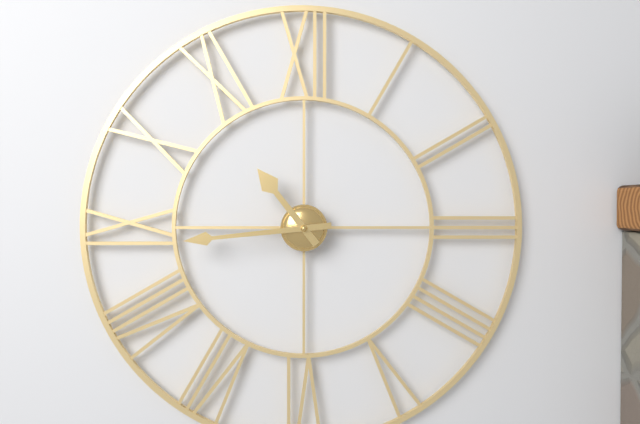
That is 10.44
